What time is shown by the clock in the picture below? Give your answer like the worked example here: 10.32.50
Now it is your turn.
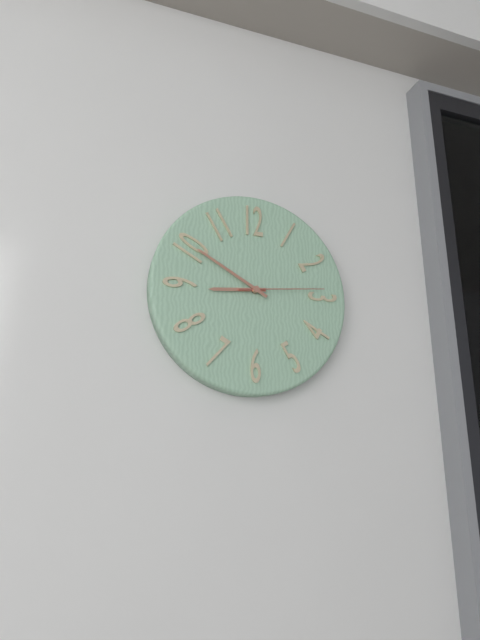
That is 8.50.14
